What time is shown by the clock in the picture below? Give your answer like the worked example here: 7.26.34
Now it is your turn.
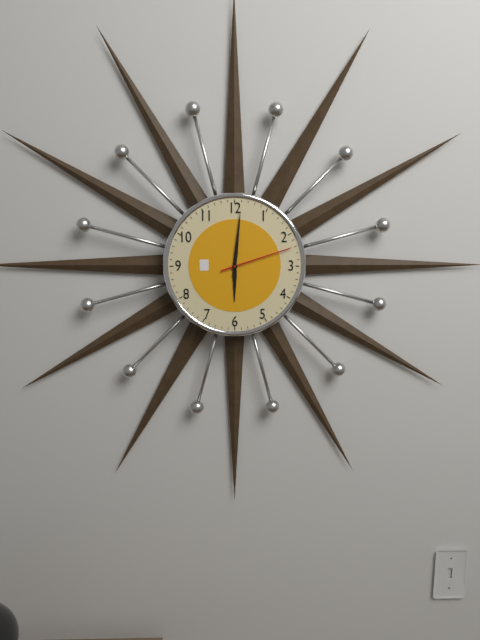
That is 6.01.12
